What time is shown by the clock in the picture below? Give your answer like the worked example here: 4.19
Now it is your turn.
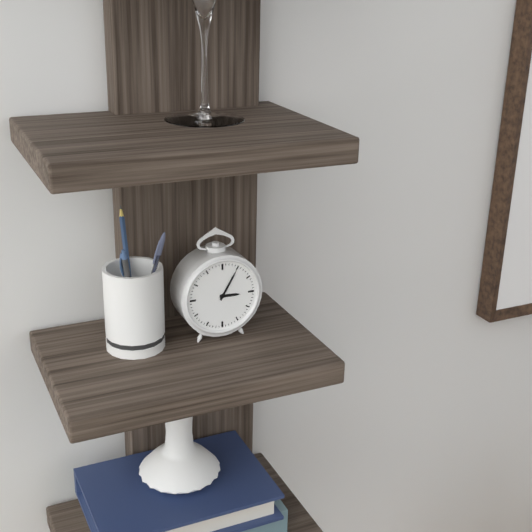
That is 3.05
